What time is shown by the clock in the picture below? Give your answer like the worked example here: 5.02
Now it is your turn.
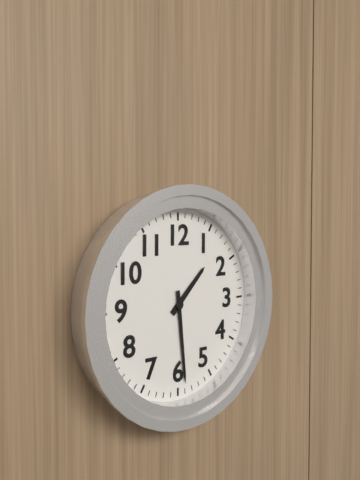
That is 1.29
